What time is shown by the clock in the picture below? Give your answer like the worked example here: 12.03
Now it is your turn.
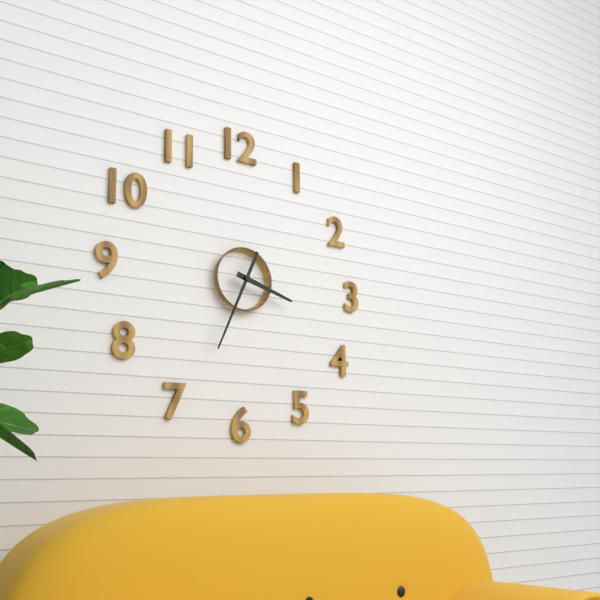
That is 3.34
